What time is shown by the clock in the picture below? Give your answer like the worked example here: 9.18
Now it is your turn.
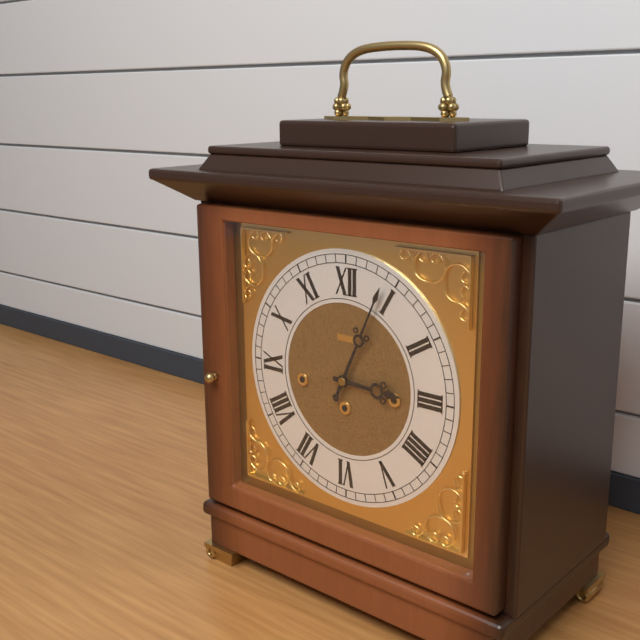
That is 3.04
